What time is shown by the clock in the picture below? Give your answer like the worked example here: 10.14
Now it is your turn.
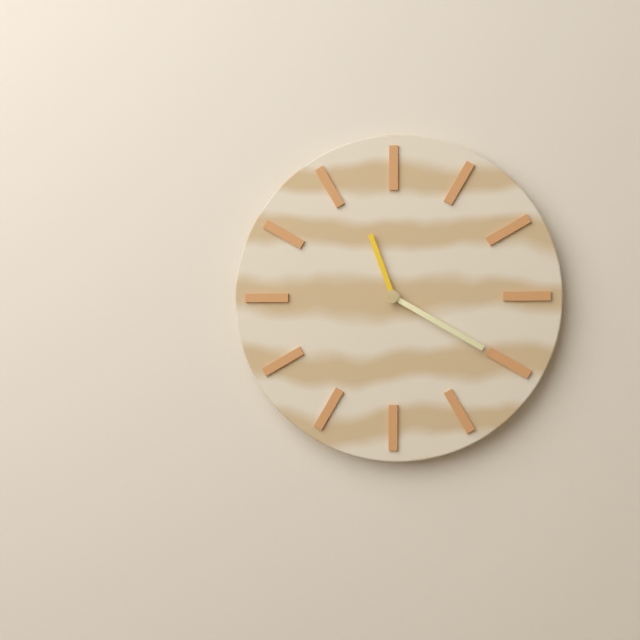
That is 11.20
